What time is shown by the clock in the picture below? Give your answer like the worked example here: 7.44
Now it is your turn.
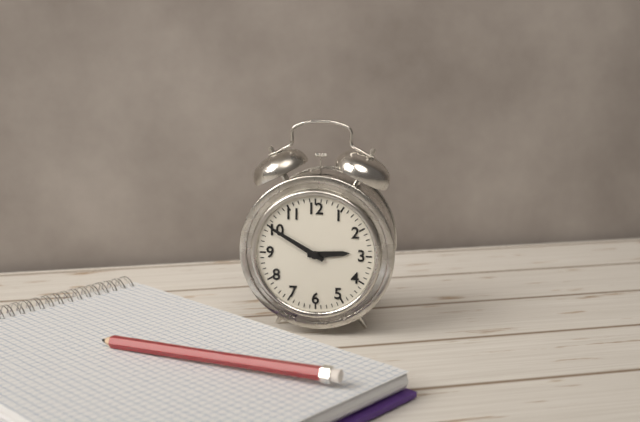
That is 2.50
